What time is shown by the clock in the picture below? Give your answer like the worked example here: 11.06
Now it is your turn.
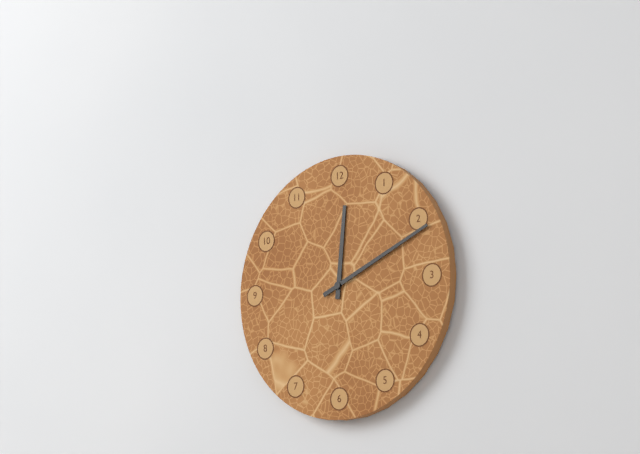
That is 12.11
